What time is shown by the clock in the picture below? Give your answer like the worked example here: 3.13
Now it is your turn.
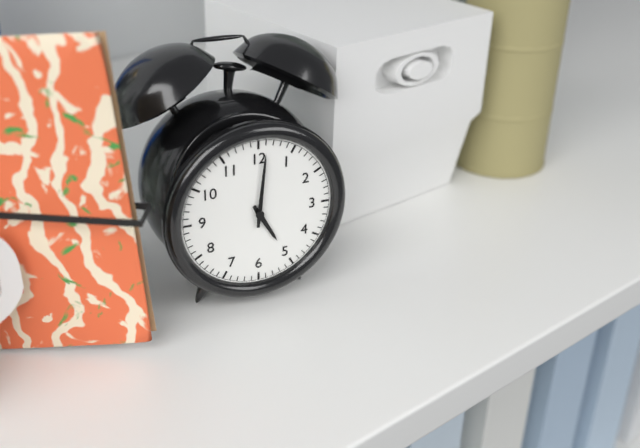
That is 5.01
